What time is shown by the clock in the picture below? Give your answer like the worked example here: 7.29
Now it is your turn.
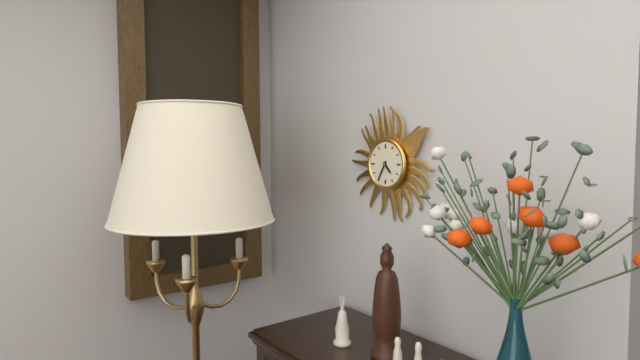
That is 4.35
